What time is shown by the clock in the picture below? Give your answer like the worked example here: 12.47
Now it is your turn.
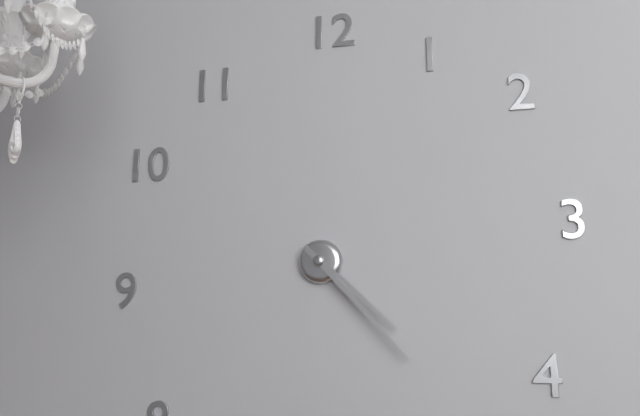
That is 4.23
